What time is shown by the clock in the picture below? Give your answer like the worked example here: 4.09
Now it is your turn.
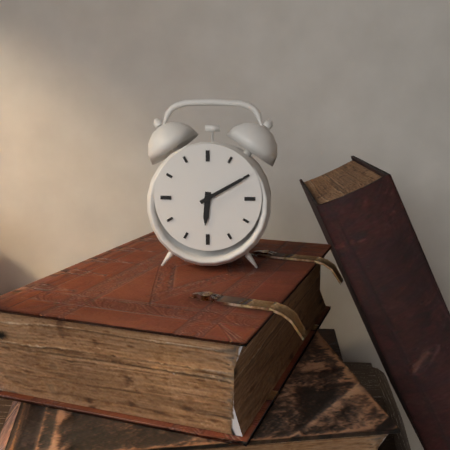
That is 6.10
